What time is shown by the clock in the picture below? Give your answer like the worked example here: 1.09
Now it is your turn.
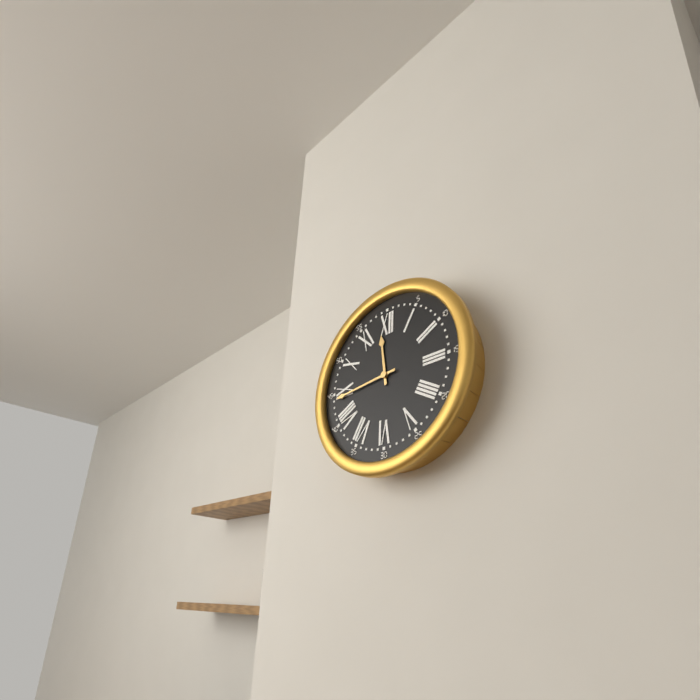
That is 11.44
